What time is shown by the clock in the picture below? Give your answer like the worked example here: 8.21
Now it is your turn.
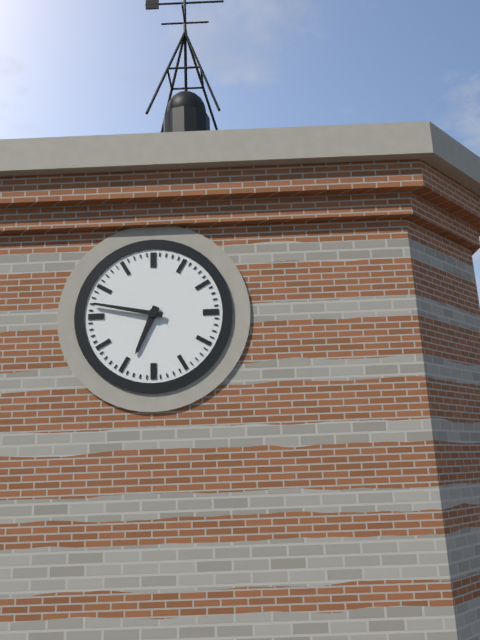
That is 6.47
